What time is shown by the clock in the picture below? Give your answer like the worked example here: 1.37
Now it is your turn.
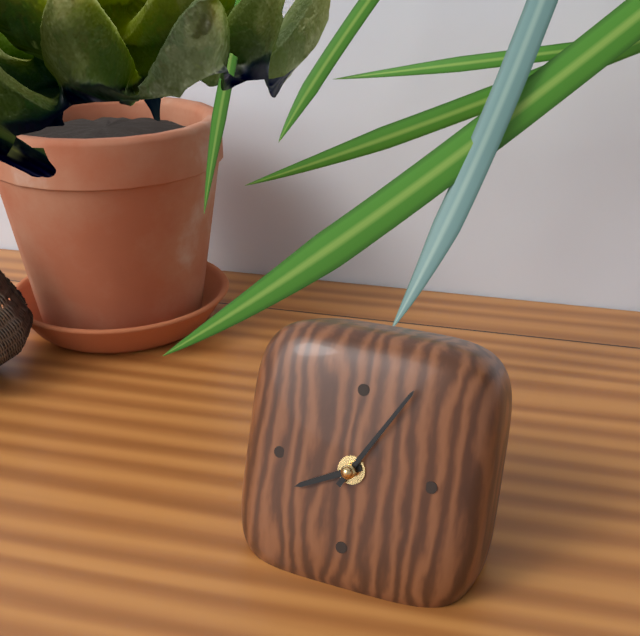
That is 8.05
